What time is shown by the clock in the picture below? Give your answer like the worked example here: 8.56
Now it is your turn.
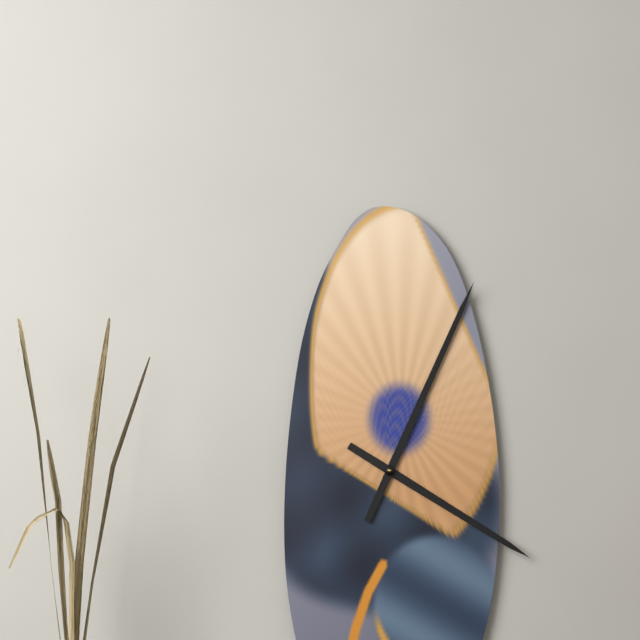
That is 4.04
